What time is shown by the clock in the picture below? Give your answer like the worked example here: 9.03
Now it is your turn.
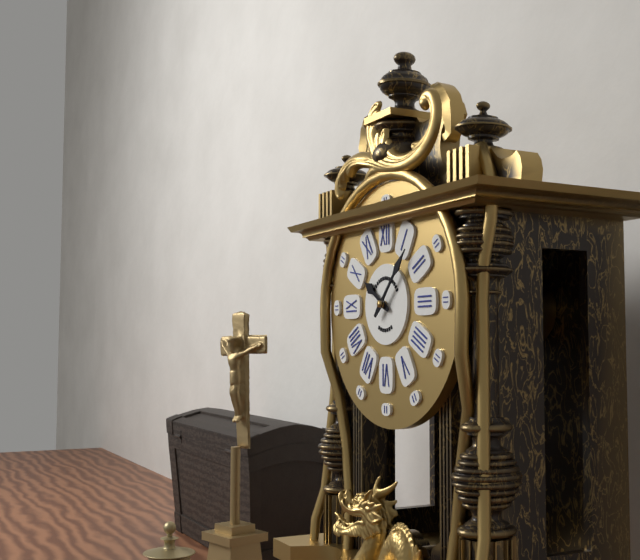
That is 10.07
